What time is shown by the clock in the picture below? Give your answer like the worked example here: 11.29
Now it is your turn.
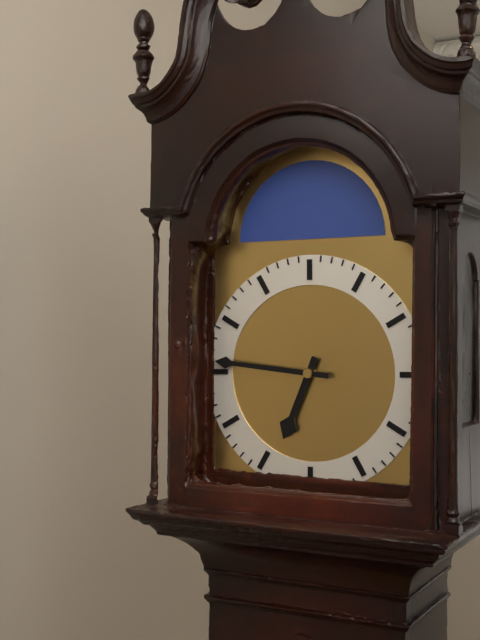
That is 6.46
